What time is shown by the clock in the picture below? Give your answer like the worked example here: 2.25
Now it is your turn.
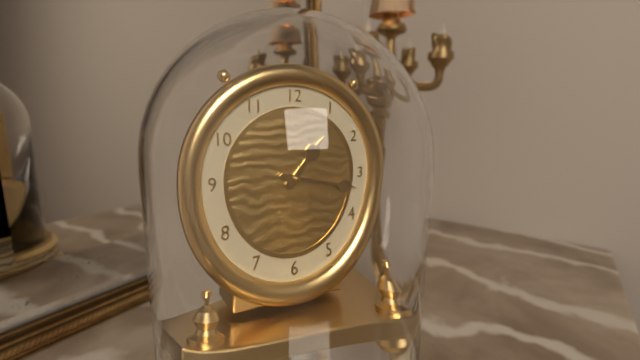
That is 1.17
